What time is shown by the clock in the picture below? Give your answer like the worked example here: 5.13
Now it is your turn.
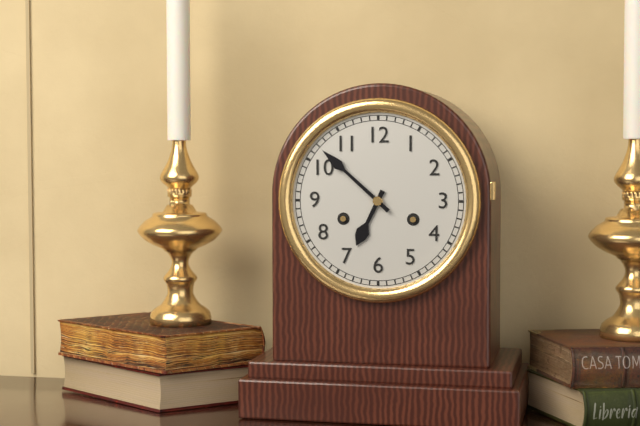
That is 6.52
